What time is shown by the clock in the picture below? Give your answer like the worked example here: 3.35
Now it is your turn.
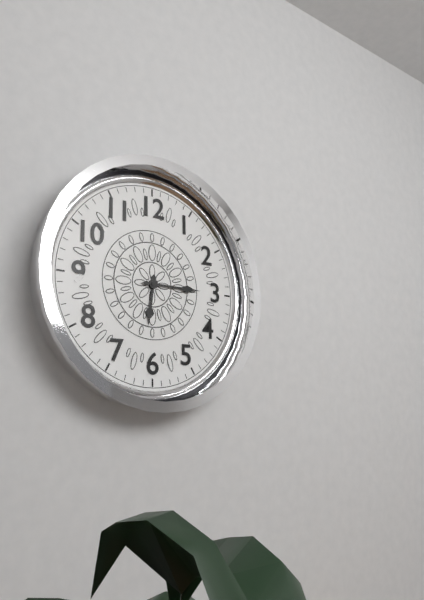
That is 6.15
